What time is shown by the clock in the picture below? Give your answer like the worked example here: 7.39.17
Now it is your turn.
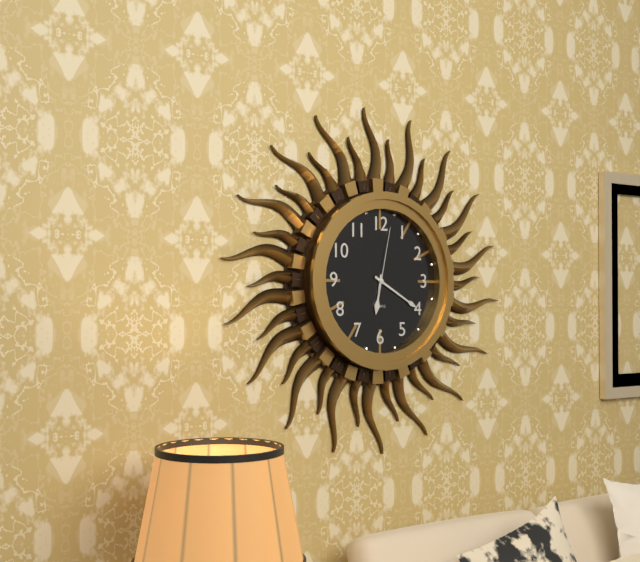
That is 6.20.02
